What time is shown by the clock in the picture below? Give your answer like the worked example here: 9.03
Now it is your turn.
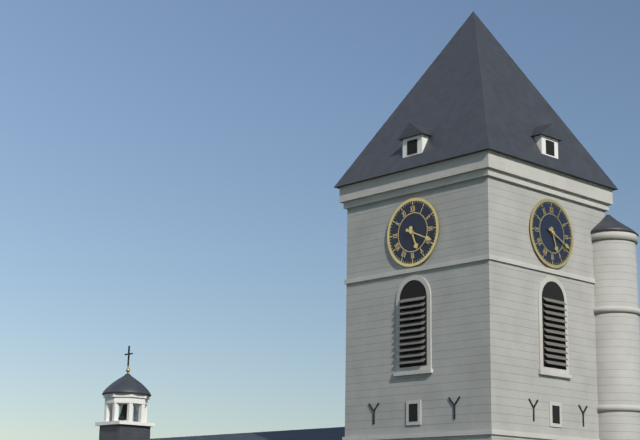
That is 5.19
